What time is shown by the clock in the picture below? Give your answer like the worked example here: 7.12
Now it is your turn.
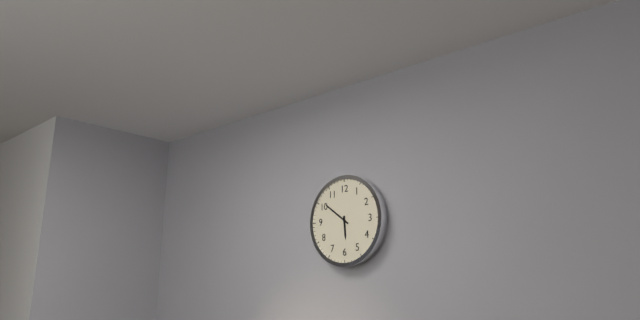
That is 5.51
